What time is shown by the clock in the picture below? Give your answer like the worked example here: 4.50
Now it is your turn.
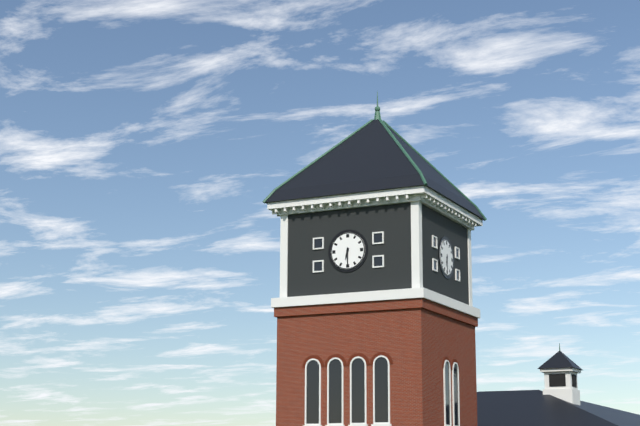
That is 6.30
